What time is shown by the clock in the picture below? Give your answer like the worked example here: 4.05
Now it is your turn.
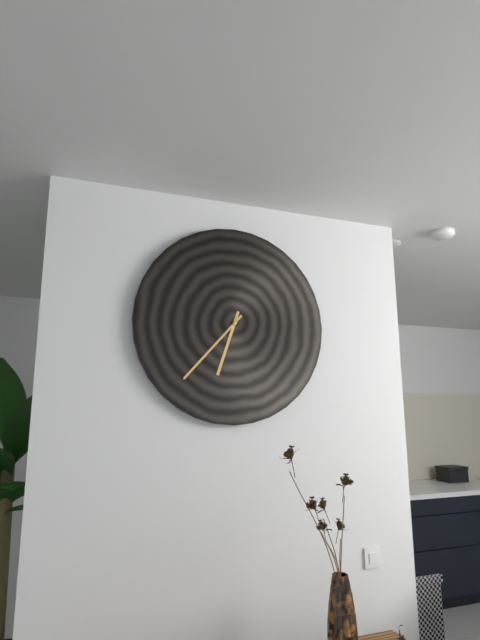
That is 6.37
